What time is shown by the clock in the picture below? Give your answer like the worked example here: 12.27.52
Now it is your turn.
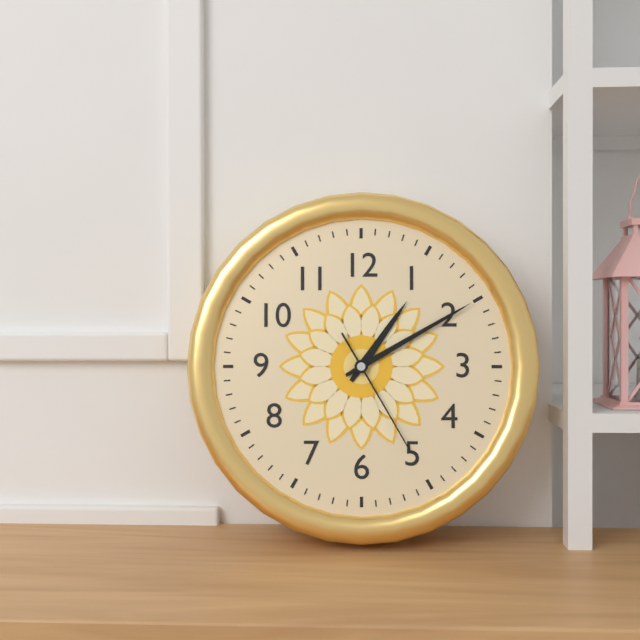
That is 1.10.25
